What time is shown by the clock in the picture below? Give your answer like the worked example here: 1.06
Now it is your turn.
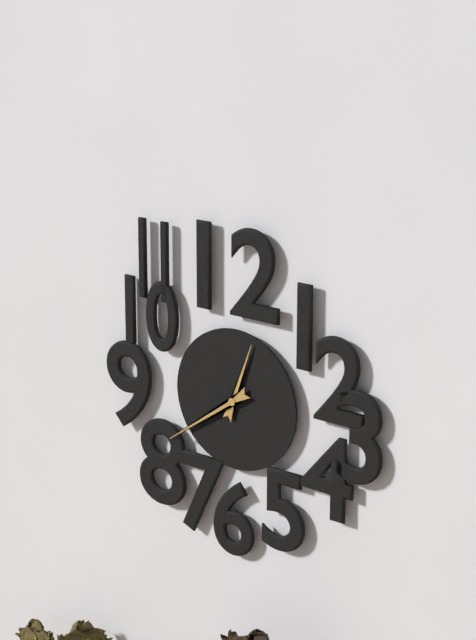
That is 12.39
